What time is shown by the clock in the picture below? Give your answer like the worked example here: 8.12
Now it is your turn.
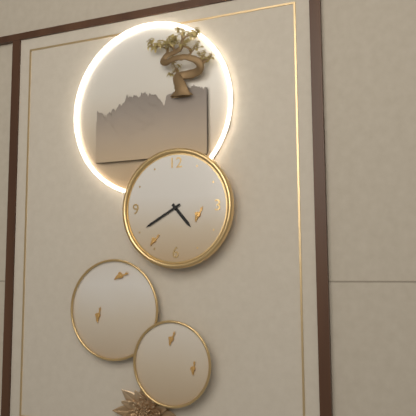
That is 4.40
